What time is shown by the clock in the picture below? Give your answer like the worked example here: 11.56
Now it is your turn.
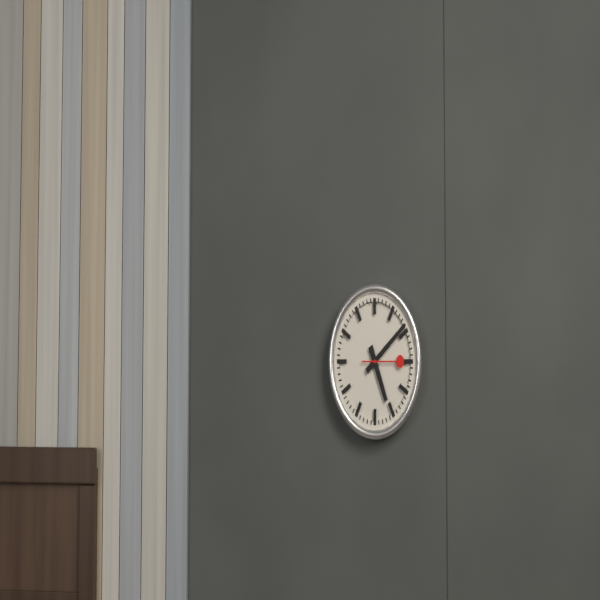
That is 5.09
